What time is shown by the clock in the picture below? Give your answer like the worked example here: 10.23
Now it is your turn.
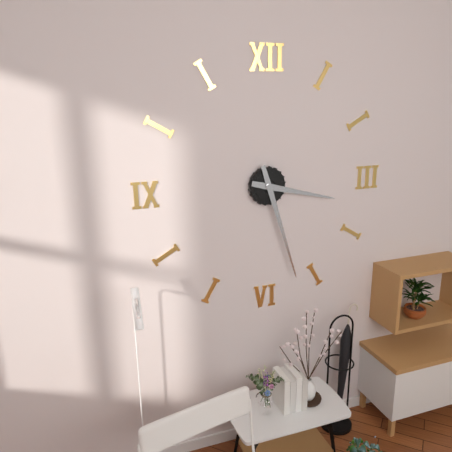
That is 3.27
